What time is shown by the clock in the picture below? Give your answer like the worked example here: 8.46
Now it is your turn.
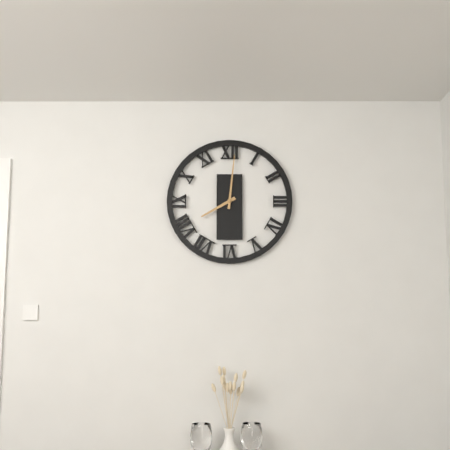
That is 8.01
